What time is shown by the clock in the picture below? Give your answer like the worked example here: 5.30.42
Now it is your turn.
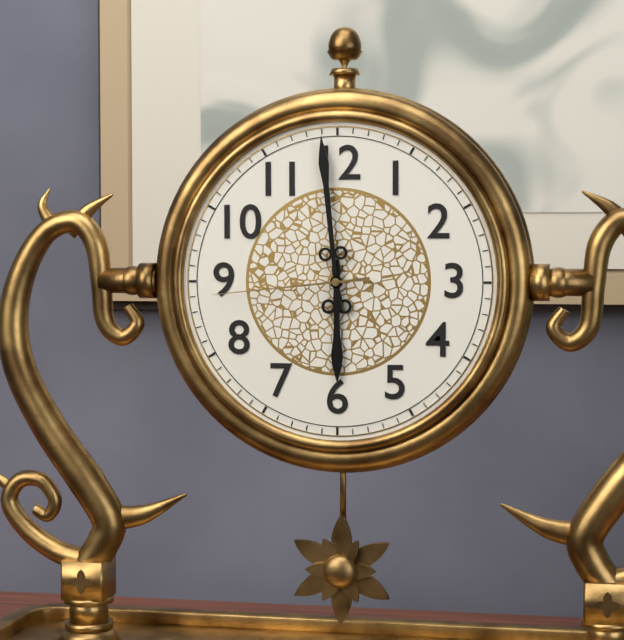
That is 5.59.44
